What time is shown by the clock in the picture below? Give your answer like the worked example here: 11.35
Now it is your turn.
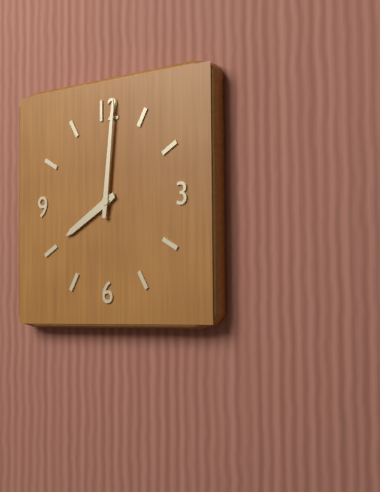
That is 8.01
